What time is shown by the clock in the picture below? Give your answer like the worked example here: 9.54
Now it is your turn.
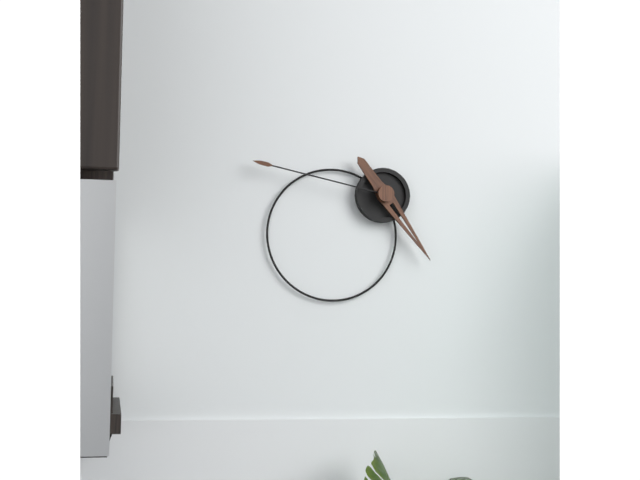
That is 4.47
